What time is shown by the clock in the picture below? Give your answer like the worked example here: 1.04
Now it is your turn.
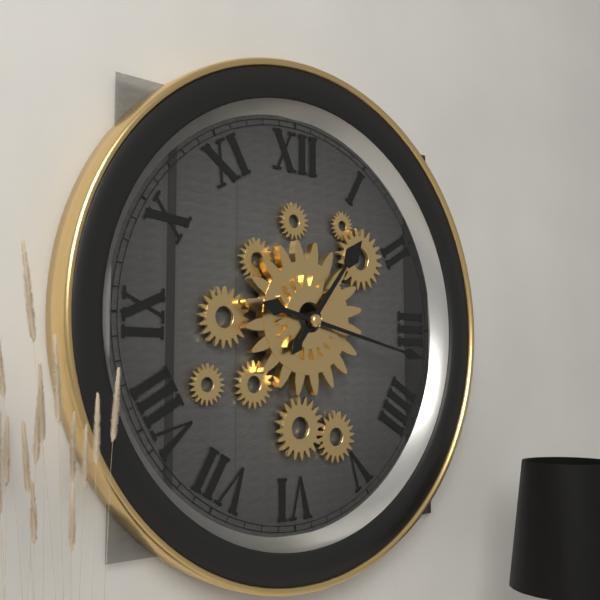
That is 1.17
